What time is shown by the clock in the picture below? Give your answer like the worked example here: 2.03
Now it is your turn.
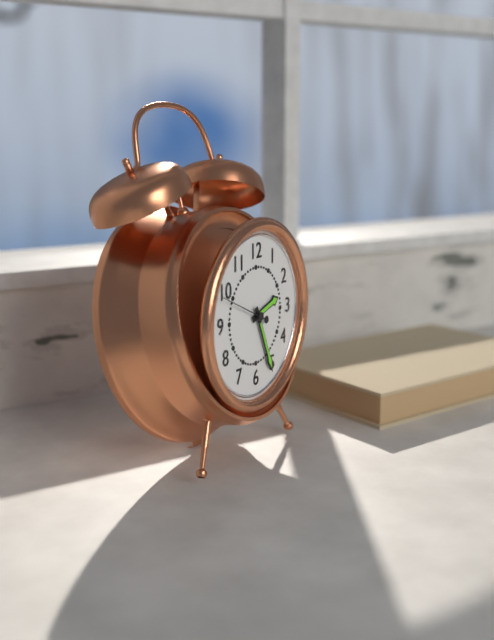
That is 2.26
